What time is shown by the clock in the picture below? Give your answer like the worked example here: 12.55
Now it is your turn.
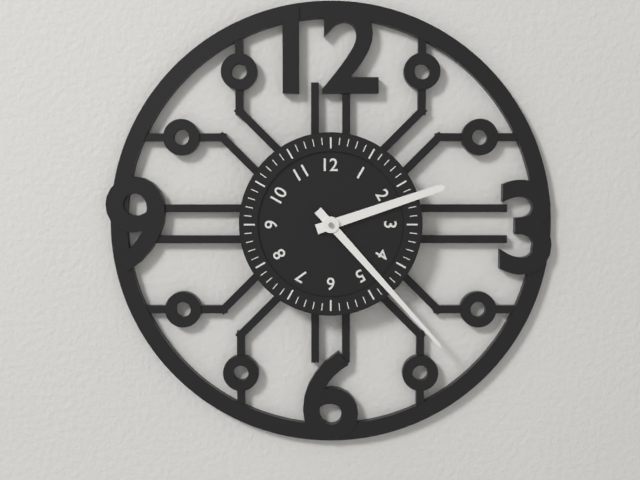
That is 2.23
